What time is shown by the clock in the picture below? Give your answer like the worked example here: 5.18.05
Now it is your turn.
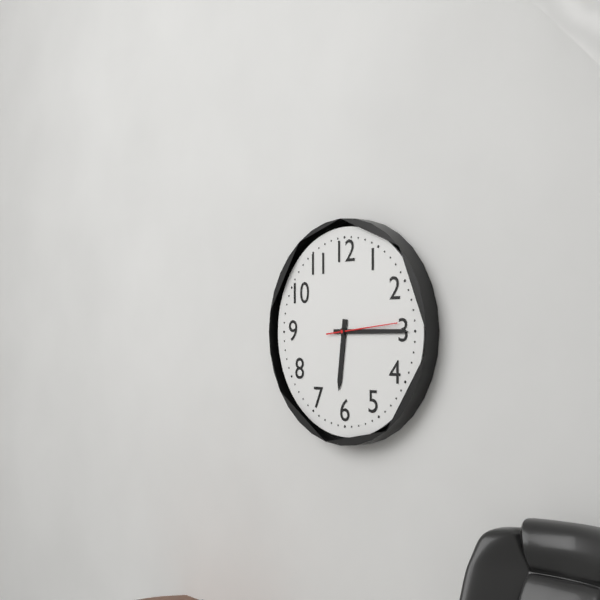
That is 6.15.14
